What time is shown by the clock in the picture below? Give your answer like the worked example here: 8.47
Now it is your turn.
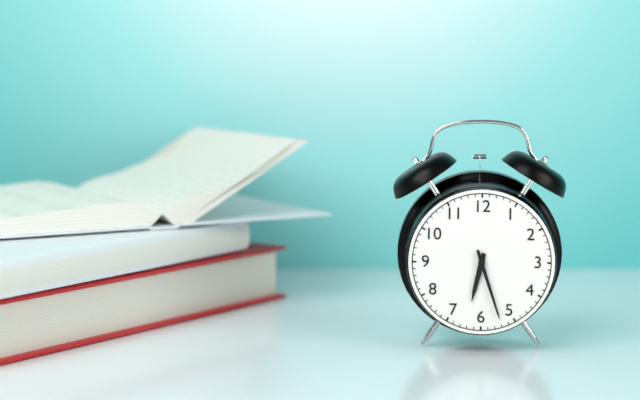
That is 6.27
